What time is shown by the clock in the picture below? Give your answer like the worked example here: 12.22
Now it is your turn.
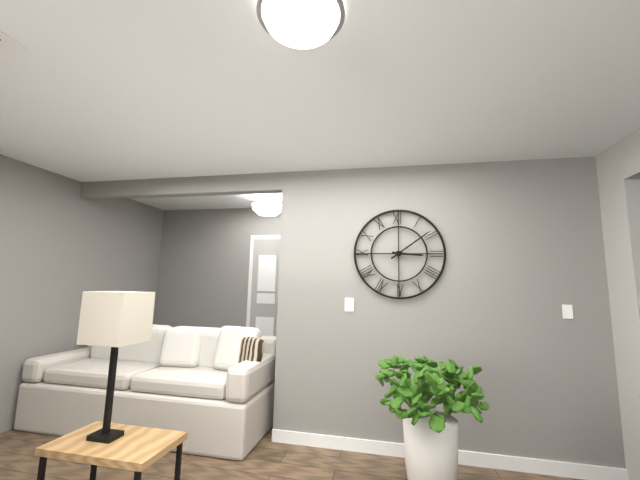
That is 3.09
